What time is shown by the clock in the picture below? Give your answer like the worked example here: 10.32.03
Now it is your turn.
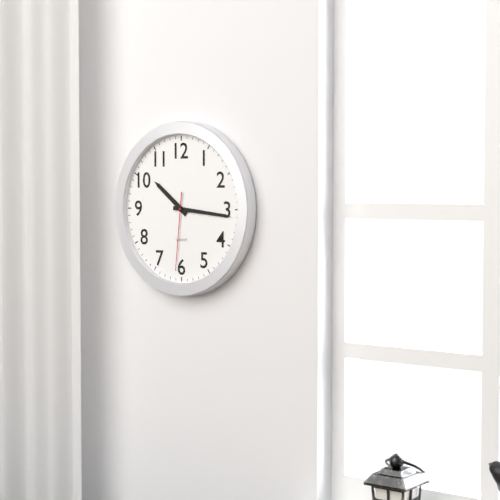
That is 10.16.31
